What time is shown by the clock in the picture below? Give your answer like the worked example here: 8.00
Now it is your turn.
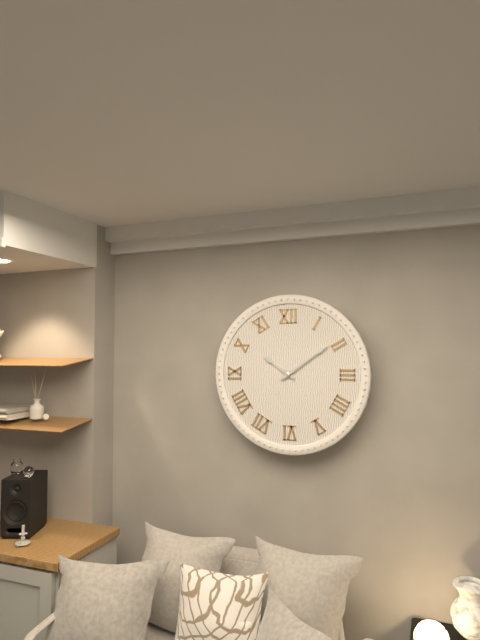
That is 10.09
